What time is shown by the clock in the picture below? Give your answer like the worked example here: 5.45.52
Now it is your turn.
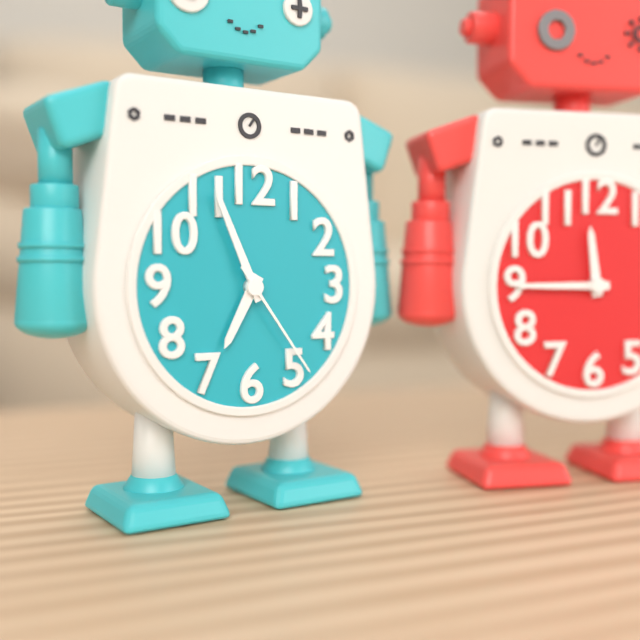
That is 6.56.24
